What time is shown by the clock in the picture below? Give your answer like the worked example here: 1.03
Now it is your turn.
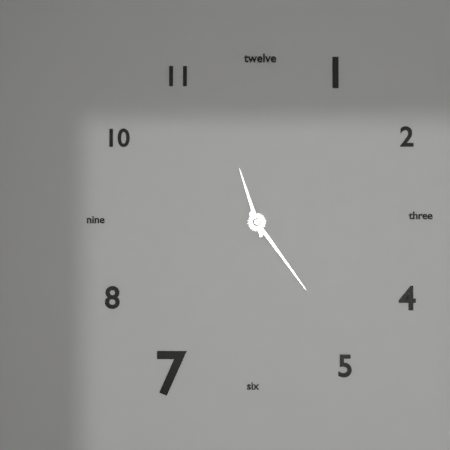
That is 11.24
